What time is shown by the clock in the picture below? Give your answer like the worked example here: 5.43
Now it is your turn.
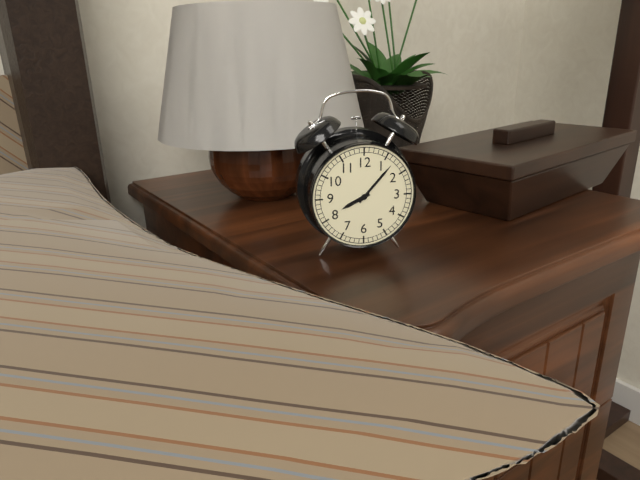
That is 8.07
